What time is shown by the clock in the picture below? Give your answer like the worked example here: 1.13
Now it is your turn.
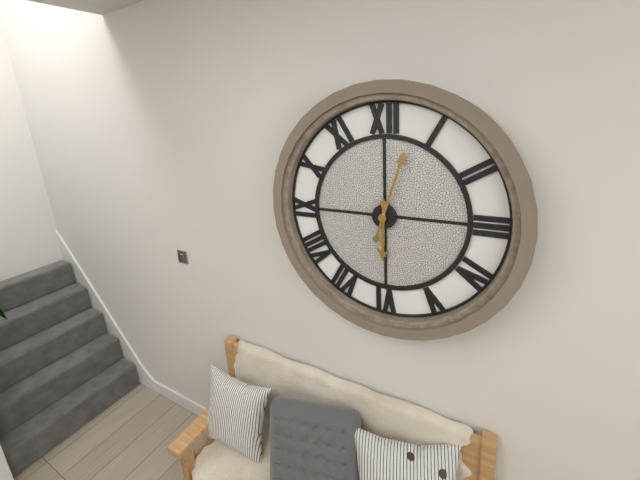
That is 6.03
